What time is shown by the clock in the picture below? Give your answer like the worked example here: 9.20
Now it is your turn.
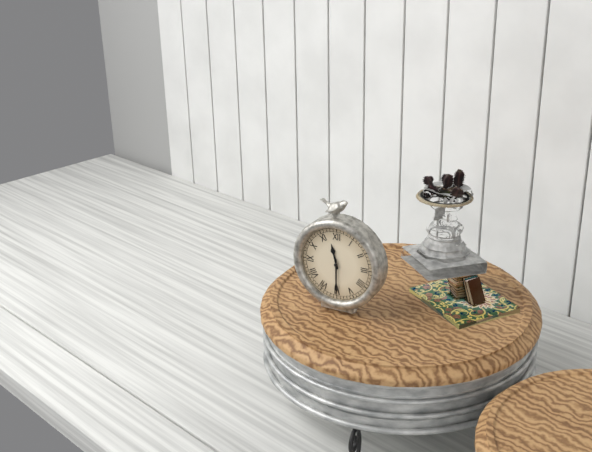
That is 11.30
